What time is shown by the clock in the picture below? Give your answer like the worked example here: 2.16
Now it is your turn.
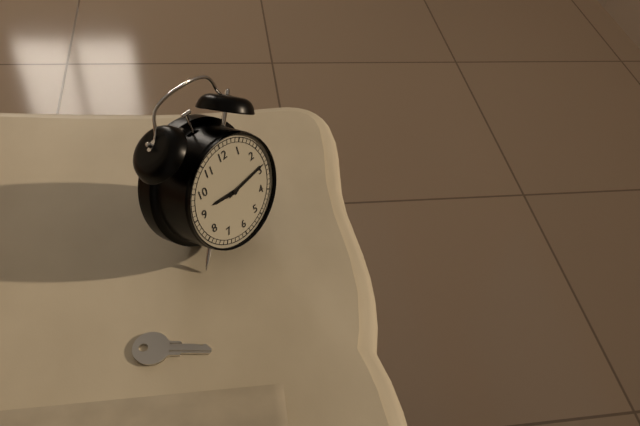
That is 9.14
